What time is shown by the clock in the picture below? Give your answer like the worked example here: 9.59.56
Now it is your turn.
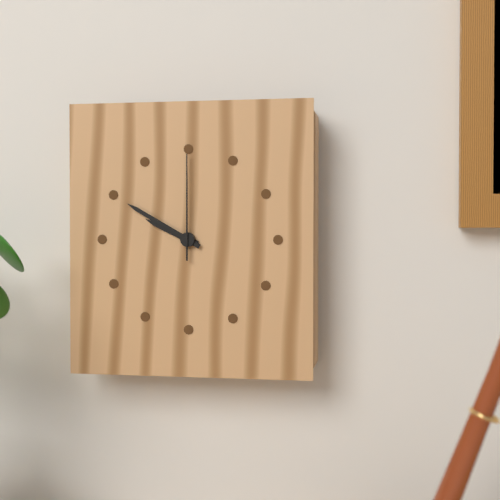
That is 9.50.00
